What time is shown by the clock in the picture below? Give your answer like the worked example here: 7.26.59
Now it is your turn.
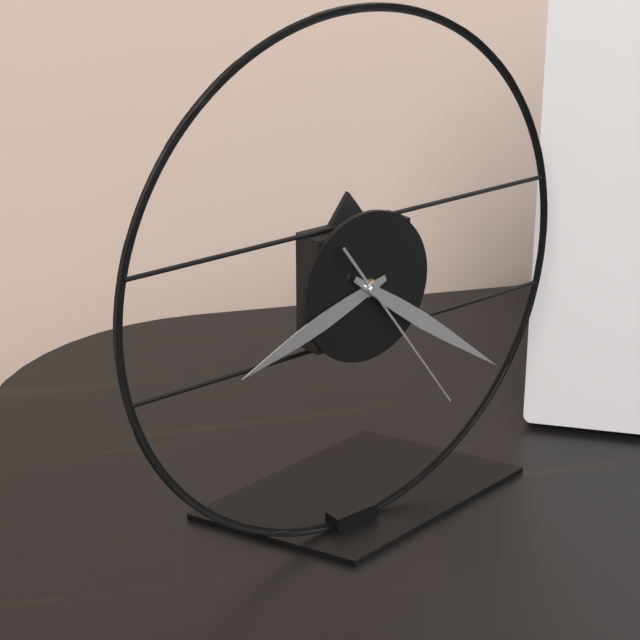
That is 8.21.24
